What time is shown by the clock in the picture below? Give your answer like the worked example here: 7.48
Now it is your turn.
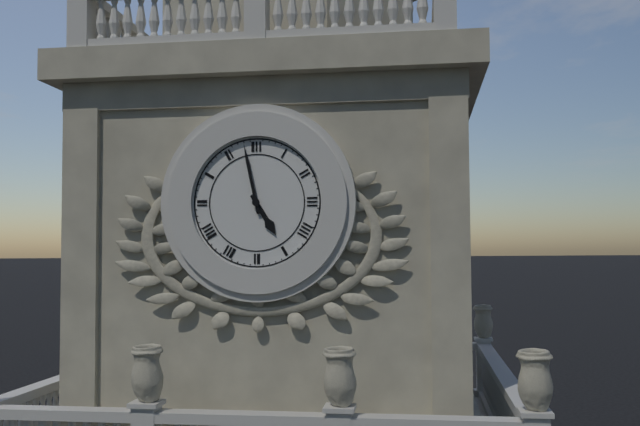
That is 4.58
